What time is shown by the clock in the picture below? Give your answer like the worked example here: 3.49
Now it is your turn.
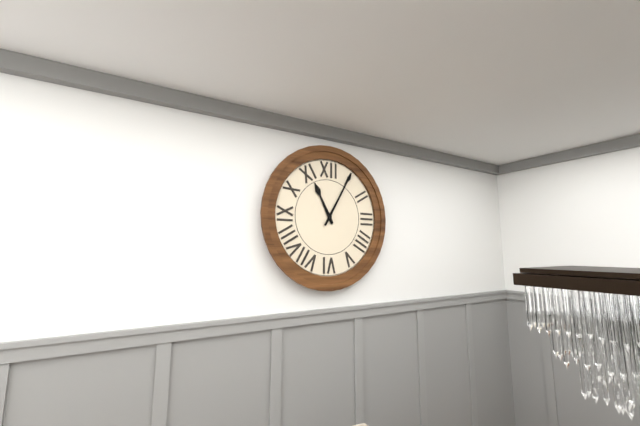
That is 11.05
